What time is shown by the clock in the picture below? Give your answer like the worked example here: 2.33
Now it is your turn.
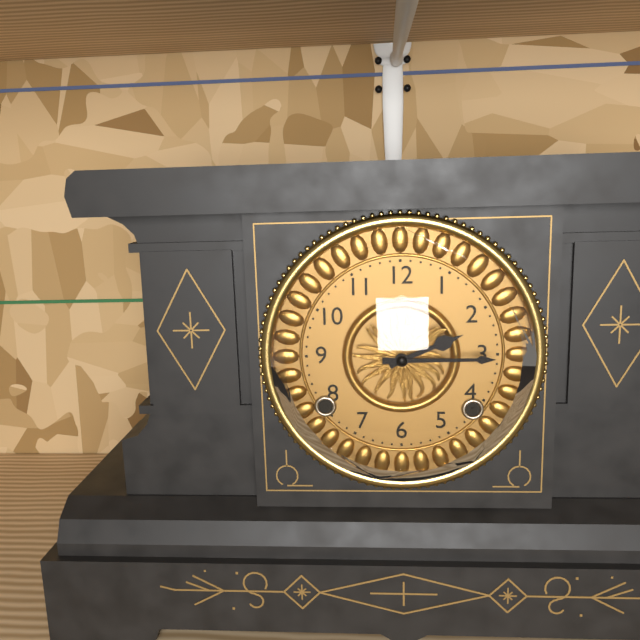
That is 2.15
